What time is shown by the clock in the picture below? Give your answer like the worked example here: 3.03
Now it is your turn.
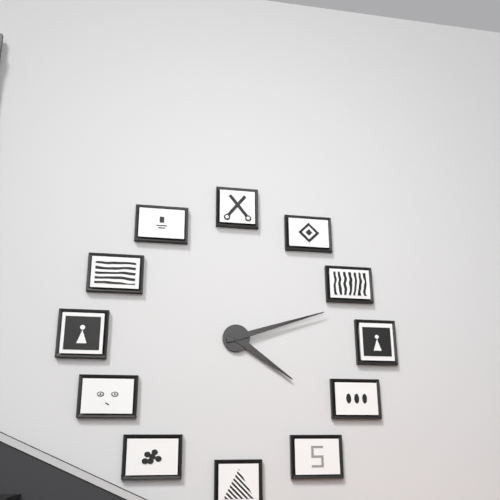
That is 4.12
